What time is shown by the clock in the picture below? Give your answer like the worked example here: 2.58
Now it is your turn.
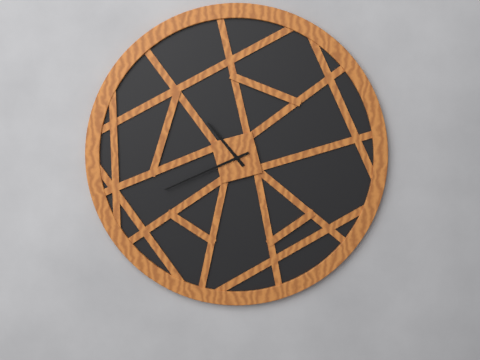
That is 10.41
